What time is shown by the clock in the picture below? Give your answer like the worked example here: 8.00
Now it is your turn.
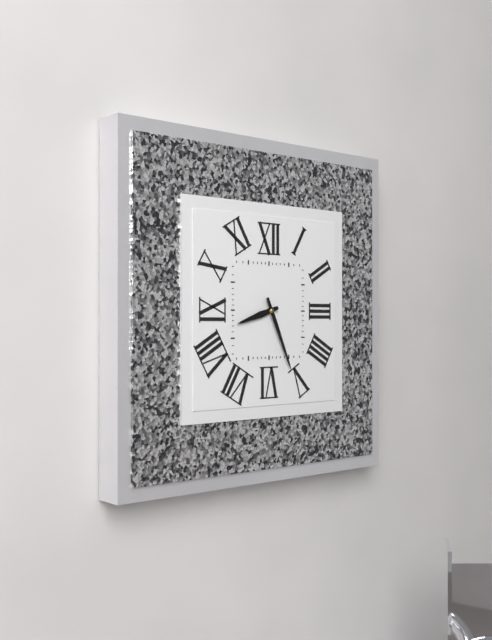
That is 8.26
